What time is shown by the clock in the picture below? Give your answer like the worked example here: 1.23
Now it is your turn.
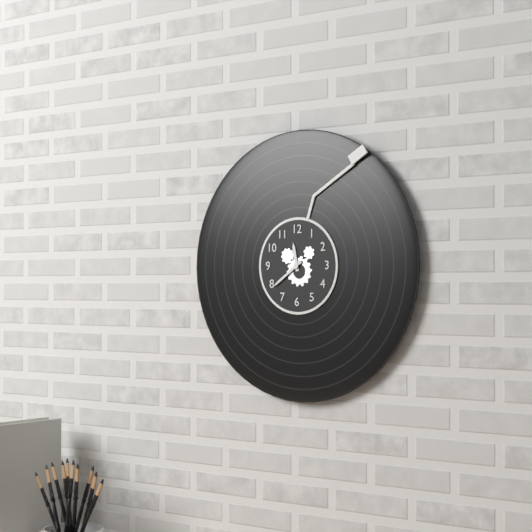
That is 11.39
